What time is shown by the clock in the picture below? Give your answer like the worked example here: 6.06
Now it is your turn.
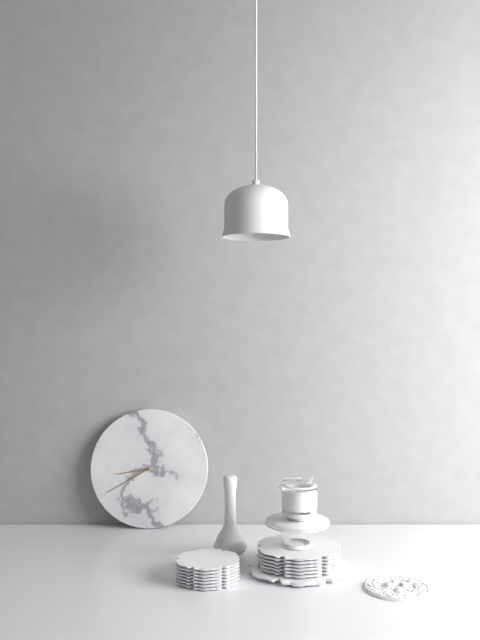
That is 8.40
